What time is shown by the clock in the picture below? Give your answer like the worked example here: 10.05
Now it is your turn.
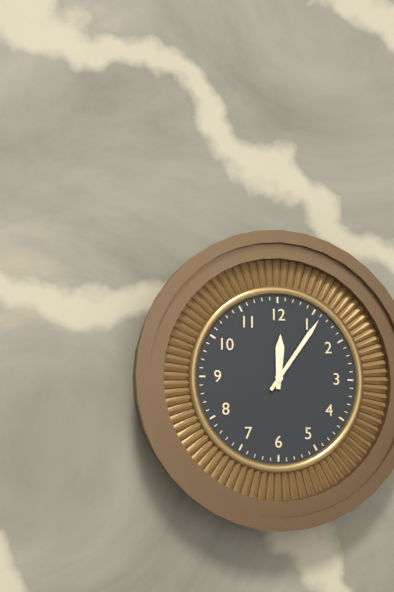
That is 12.06
